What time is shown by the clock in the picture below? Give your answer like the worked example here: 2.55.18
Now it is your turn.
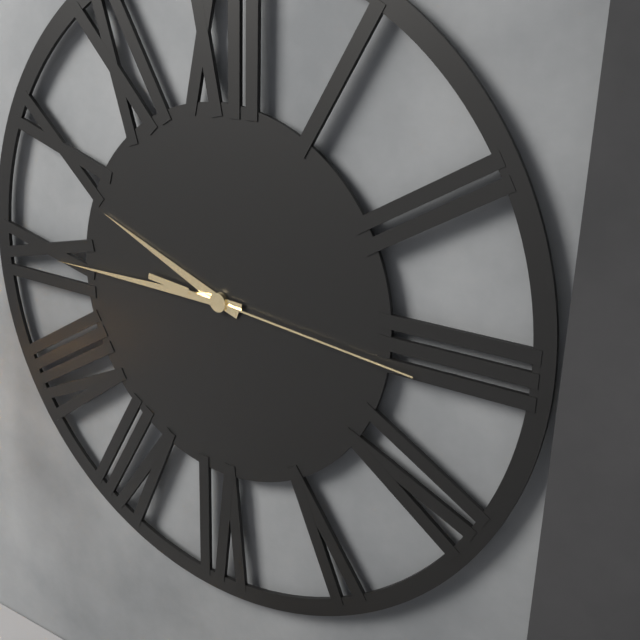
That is 9.45.16
